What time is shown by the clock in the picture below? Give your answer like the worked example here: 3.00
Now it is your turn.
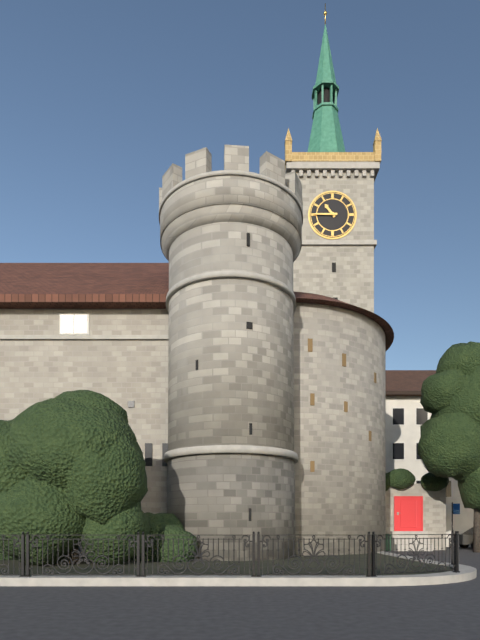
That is 10.45
